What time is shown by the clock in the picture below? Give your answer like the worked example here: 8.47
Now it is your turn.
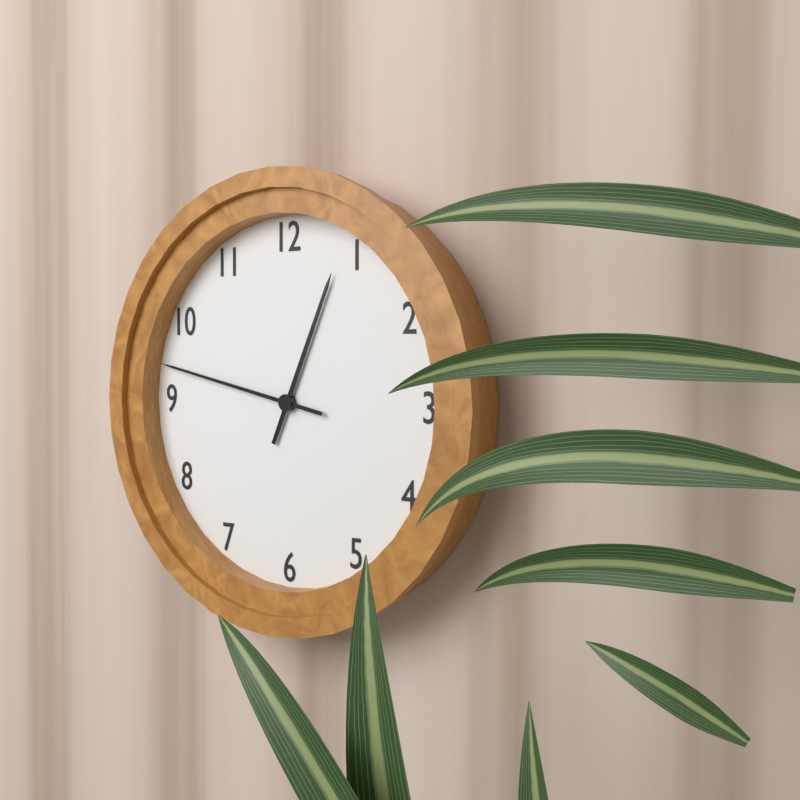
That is 12.47
